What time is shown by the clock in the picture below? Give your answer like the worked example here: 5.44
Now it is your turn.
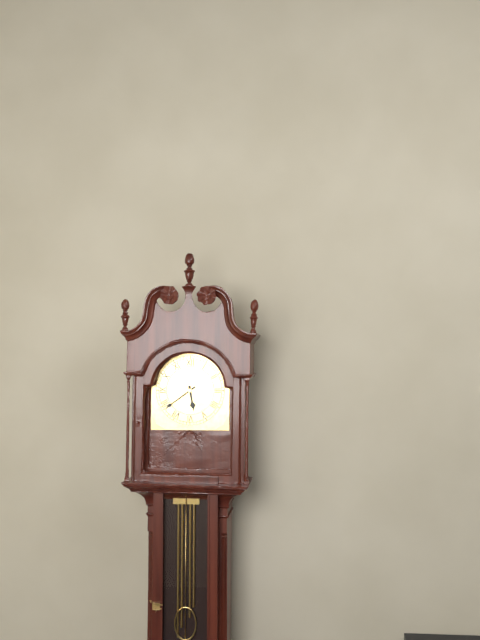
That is 5.39
